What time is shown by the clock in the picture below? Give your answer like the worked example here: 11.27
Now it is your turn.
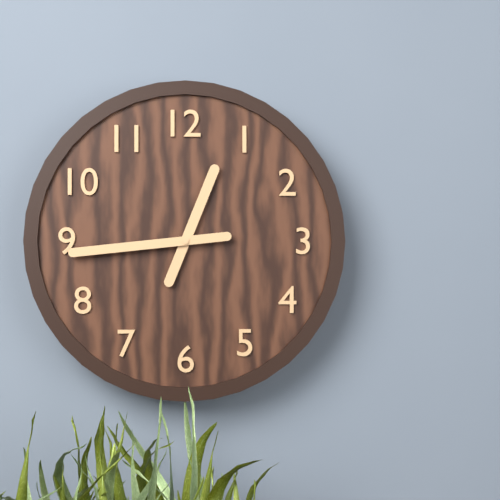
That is 12.44
